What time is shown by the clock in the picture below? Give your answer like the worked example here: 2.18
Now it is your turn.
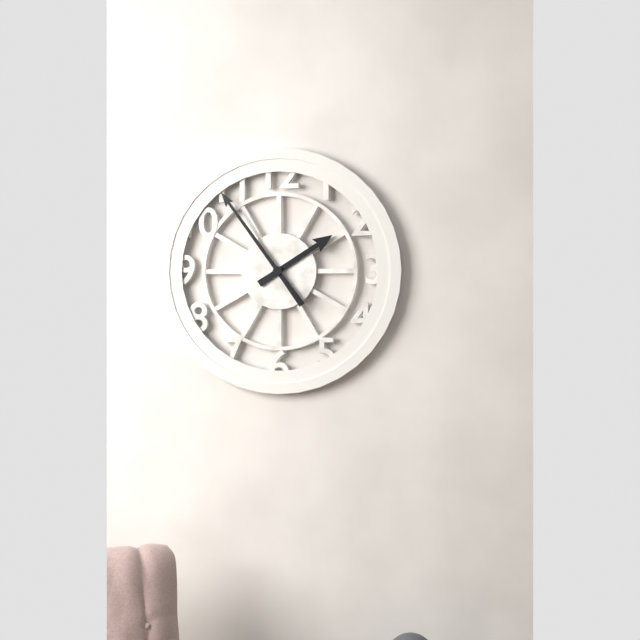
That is 1.54
